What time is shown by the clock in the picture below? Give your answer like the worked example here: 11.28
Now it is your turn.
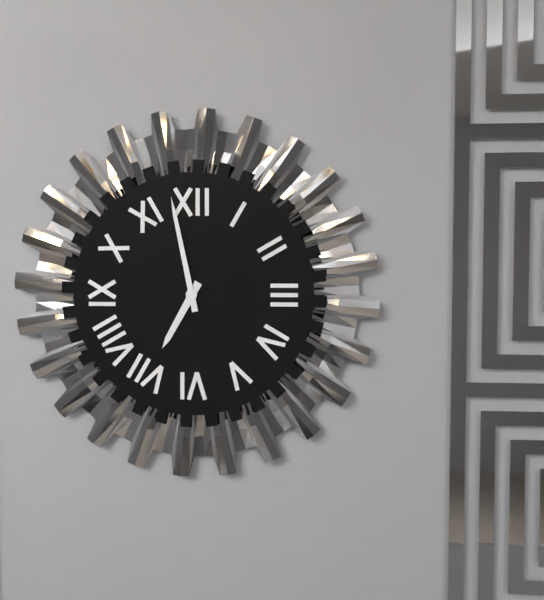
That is 6.58
